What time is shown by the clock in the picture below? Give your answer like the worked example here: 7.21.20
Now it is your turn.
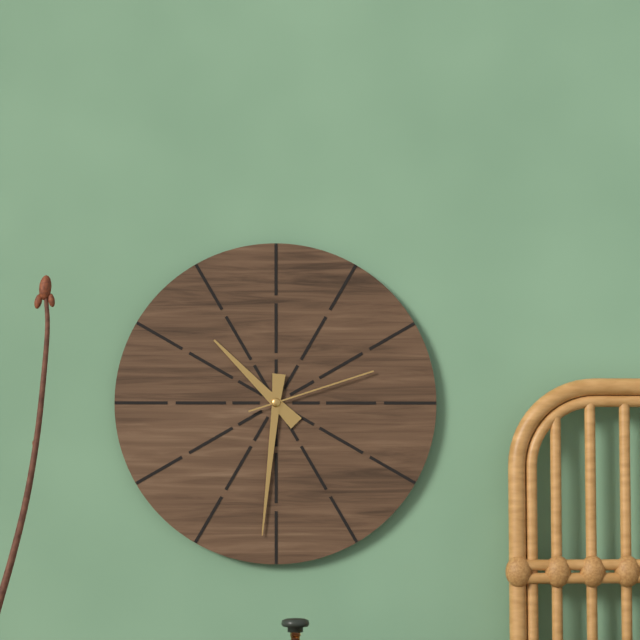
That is 10.31.12
